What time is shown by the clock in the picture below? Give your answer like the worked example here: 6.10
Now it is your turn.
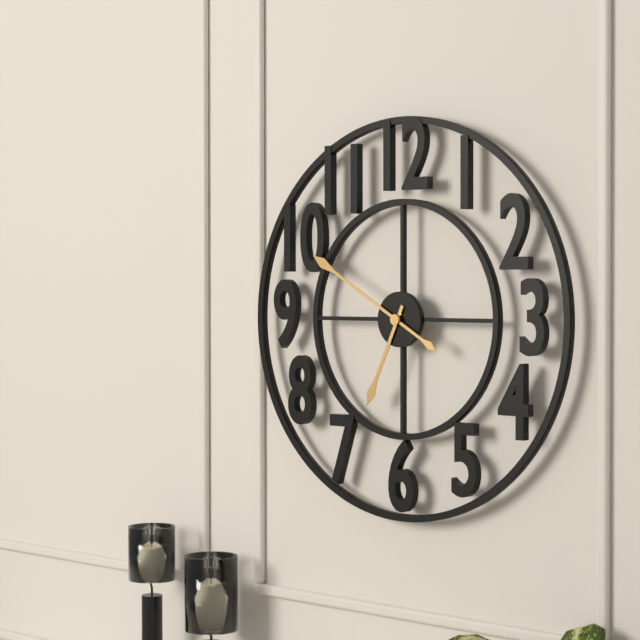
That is 6.50
